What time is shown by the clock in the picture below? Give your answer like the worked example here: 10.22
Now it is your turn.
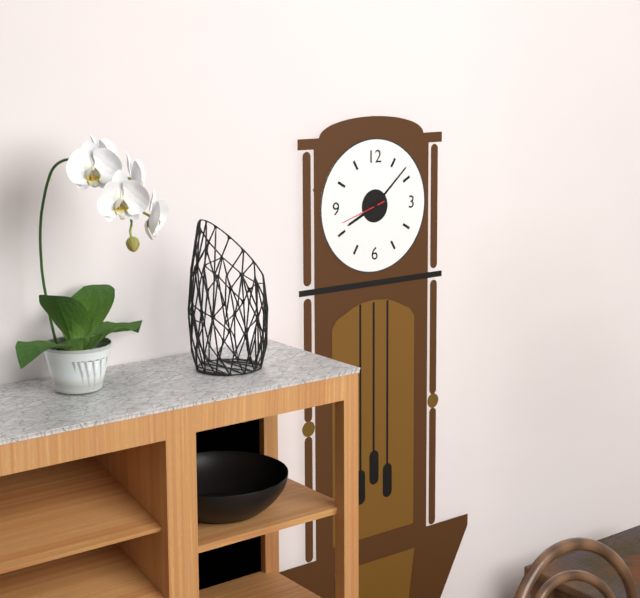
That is 8.08
